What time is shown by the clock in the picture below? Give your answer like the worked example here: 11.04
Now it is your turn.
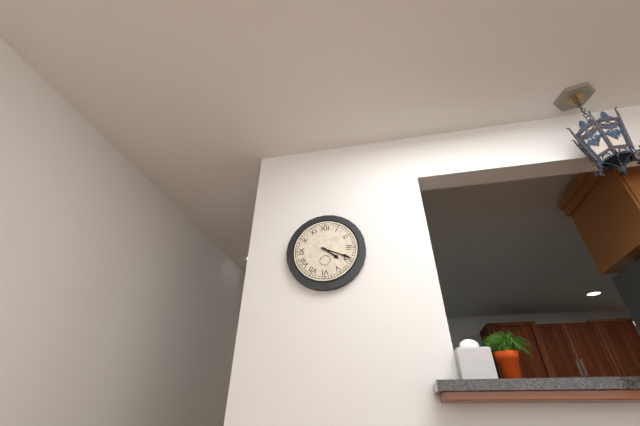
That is 4.19
